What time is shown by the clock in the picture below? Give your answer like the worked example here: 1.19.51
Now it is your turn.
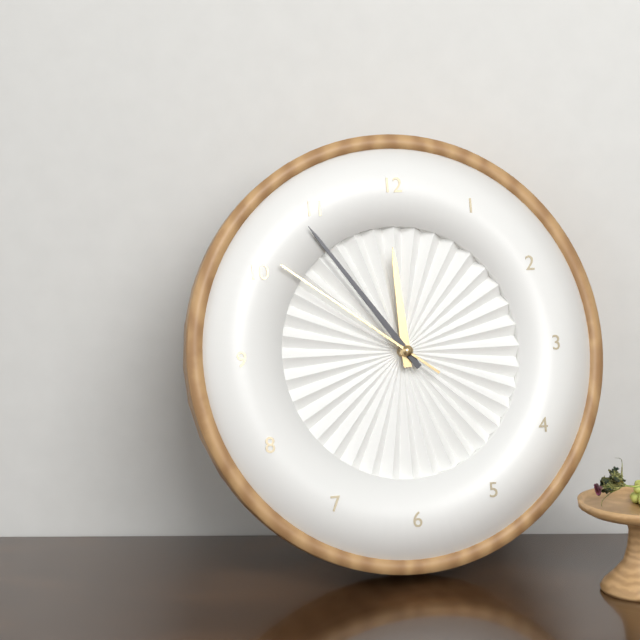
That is 11.54.51
